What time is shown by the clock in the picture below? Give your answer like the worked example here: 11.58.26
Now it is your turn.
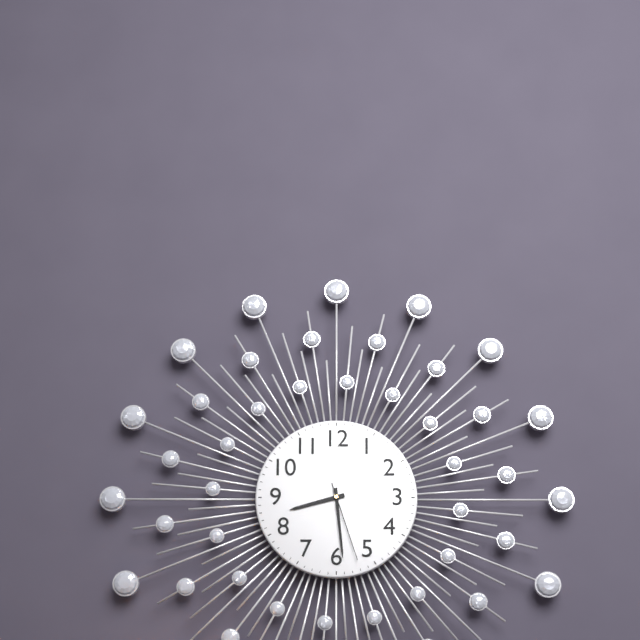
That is 8.29.27
